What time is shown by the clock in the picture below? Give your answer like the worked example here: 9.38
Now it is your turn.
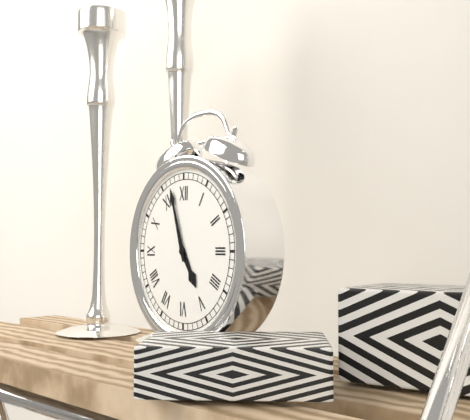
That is 4.57
